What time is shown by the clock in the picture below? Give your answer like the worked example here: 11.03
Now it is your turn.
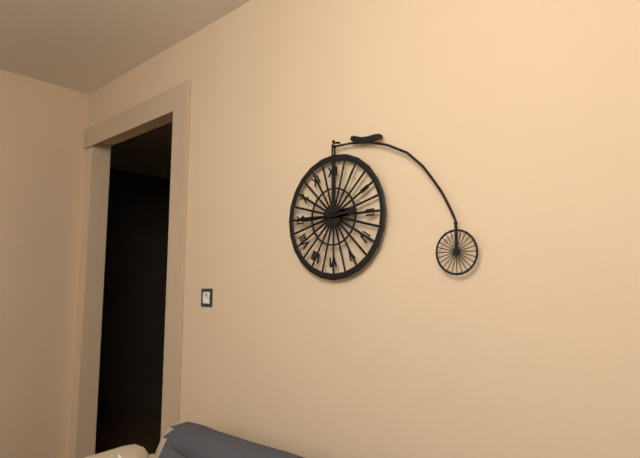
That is 2.45
